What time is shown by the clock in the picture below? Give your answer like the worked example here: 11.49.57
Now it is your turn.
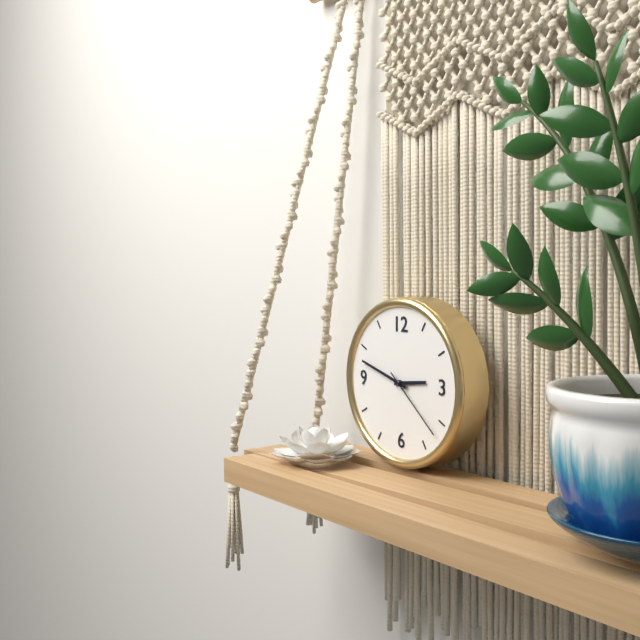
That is 2.48.22
